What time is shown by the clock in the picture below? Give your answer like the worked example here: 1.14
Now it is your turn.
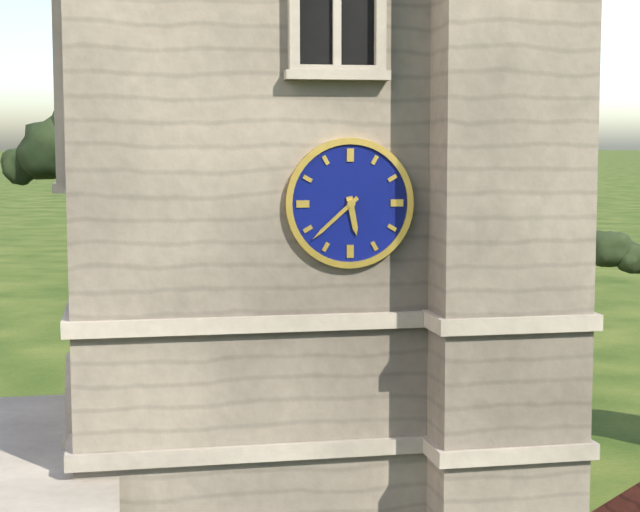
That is 5.38
